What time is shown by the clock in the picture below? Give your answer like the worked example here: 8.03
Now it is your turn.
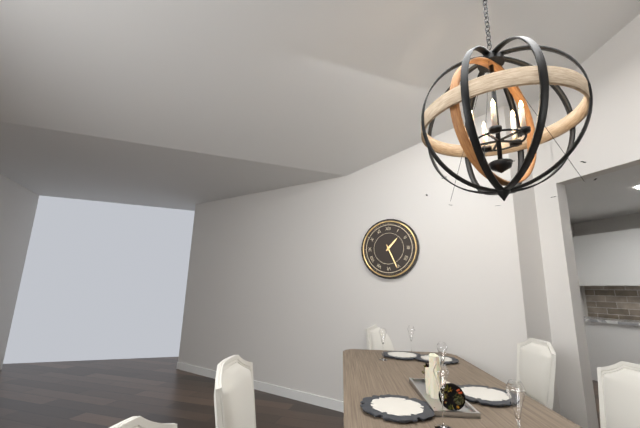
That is 1.26
